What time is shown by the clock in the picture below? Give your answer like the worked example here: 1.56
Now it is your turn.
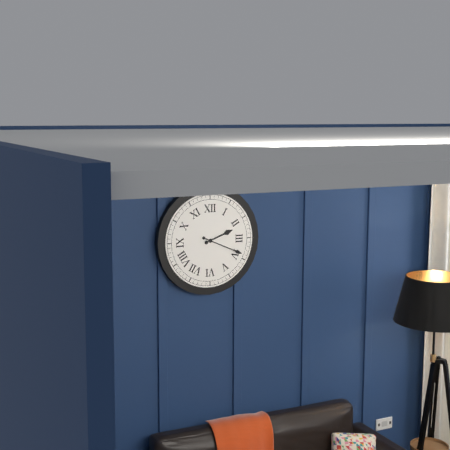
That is 2.19
